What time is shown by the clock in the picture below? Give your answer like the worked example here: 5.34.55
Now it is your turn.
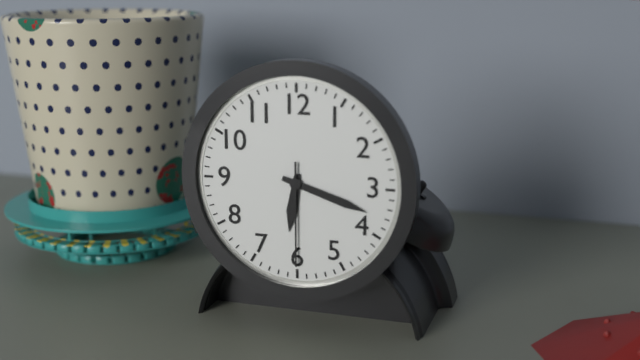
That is 6.18.30
